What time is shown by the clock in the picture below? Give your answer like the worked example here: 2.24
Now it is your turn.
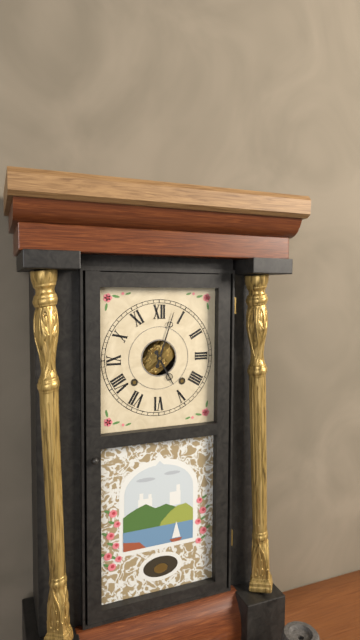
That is 5.03
